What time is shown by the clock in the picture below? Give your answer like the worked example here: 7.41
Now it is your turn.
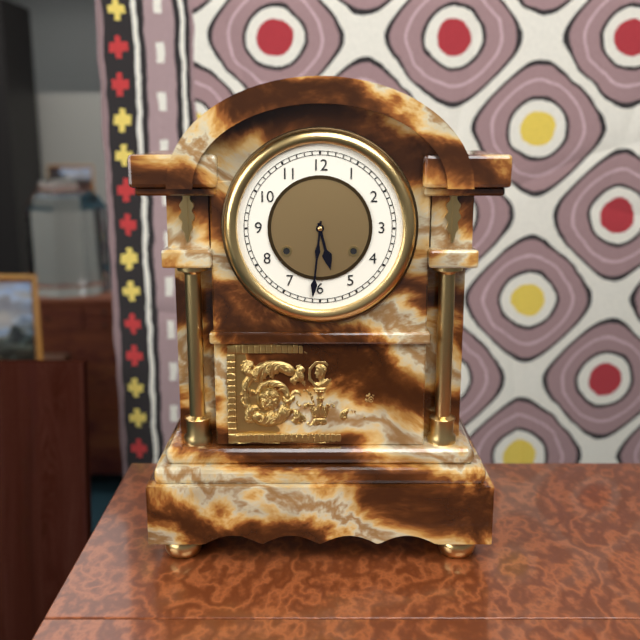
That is 5.31
